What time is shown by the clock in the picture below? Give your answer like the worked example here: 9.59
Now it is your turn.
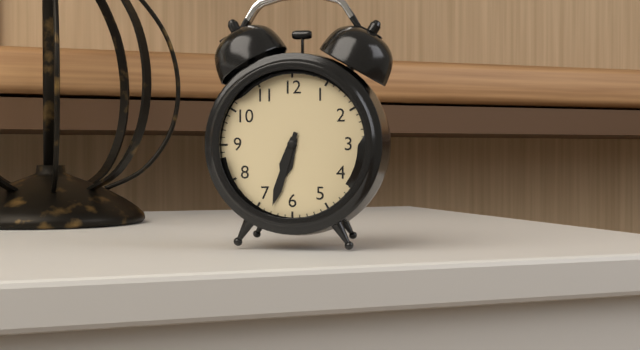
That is 6.33
